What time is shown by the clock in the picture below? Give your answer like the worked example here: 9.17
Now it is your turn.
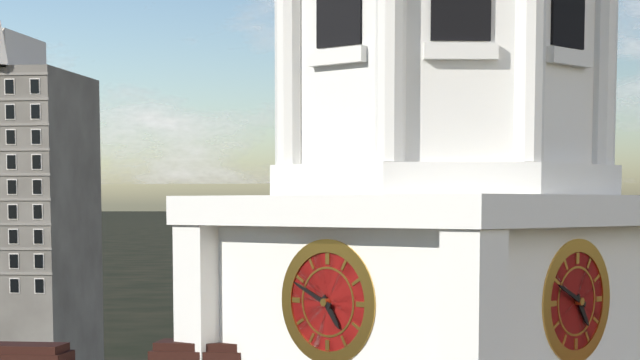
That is 4.49
